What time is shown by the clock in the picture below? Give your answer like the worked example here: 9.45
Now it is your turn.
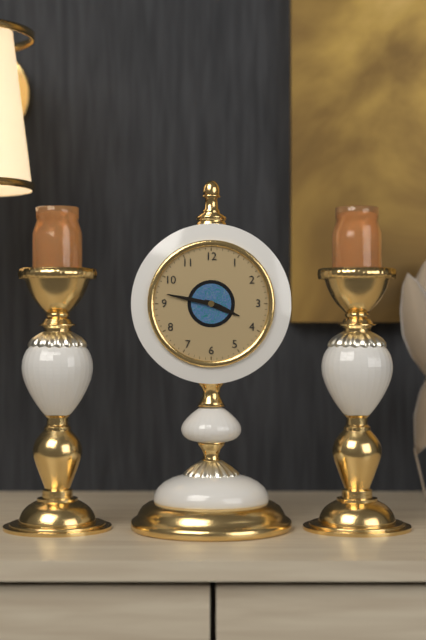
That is 3.47
